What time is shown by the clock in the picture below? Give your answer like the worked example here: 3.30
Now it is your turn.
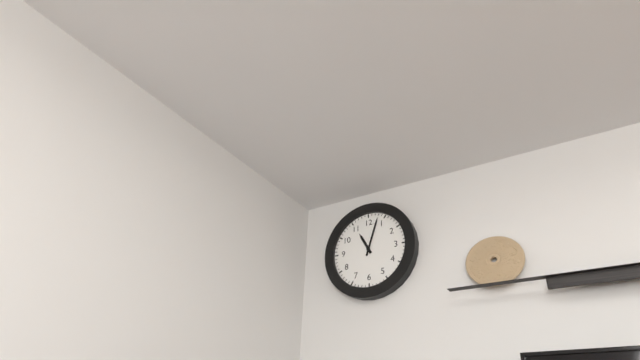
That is 11.03
